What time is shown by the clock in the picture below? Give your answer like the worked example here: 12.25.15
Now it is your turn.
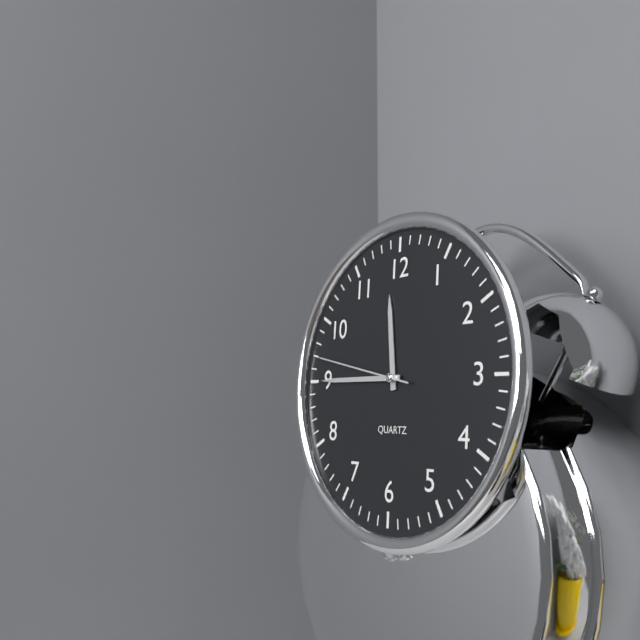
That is 11.45.47
